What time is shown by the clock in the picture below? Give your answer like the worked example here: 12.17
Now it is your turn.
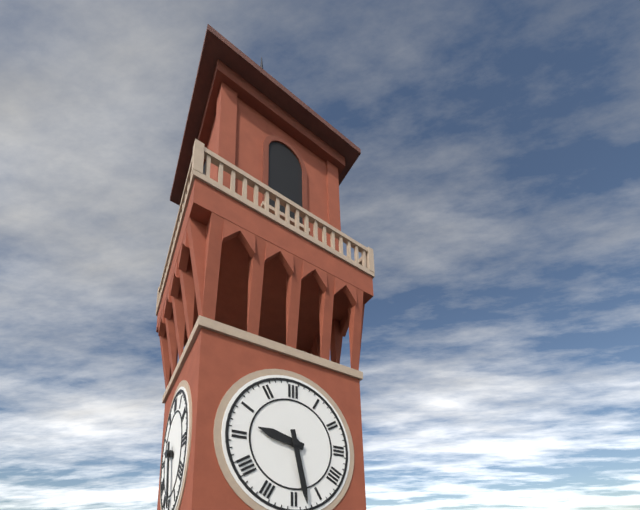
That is 9.28
